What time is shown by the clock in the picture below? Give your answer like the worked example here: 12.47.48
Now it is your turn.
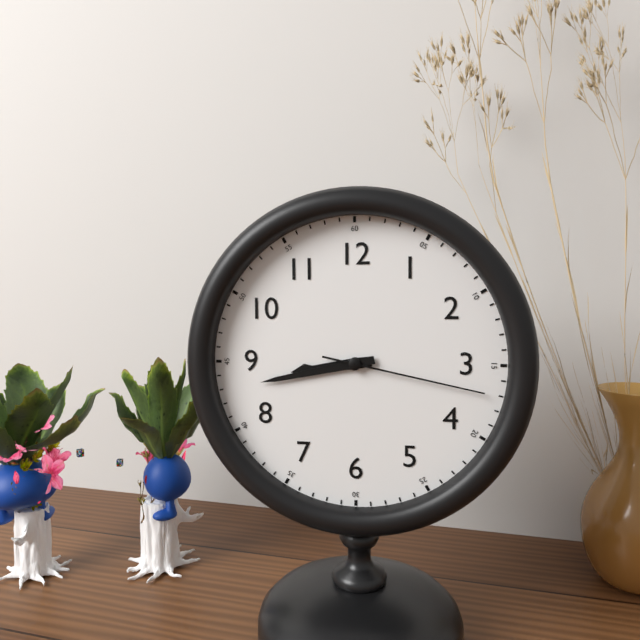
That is 8.43.17
